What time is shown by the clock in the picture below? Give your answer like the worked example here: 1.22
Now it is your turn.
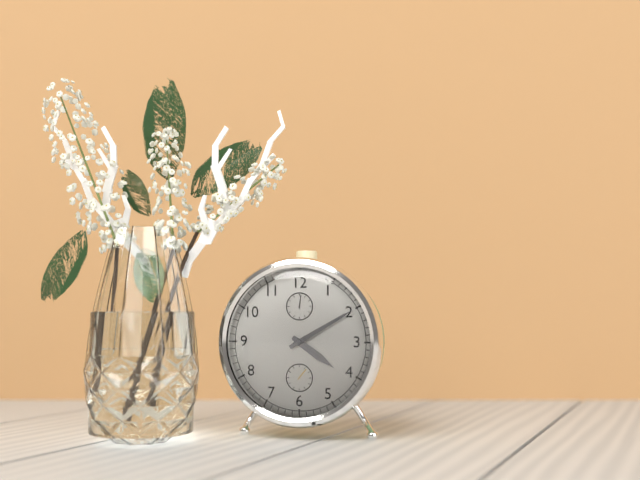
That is 4.10
